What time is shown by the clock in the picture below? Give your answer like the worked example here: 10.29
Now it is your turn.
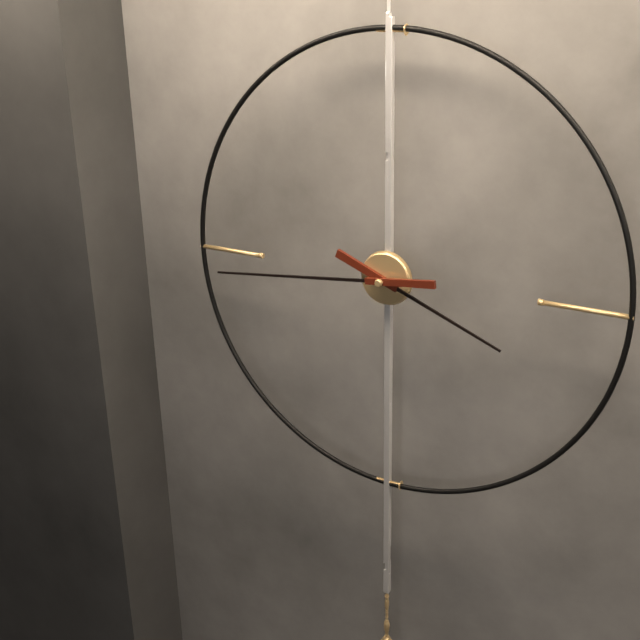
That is 3.44
